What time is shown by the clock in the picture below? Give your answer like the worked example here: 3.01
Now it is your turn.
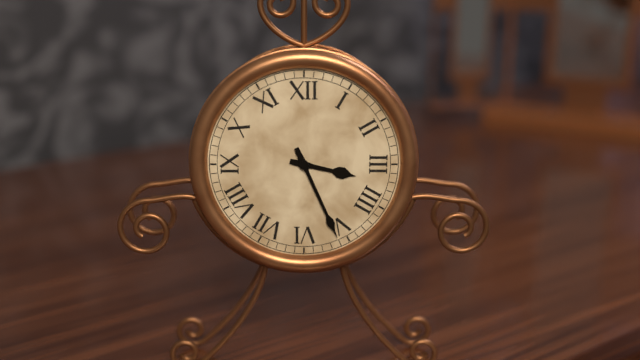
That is 3.26
